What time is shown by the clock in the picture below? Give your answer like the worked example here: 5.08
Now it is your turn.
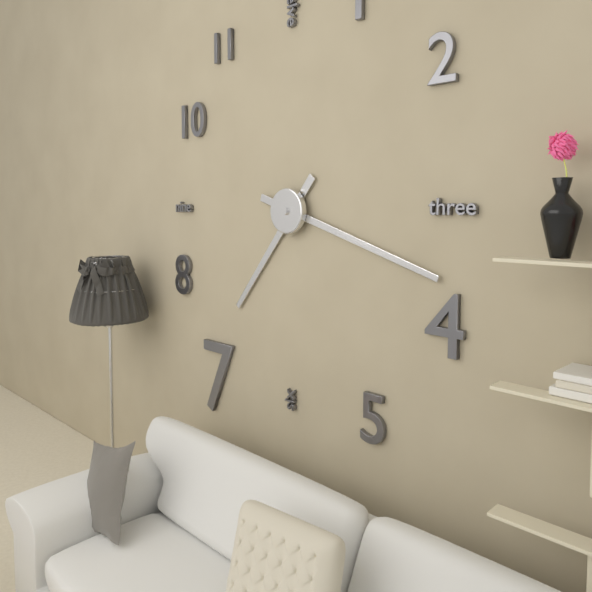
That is 7.18
